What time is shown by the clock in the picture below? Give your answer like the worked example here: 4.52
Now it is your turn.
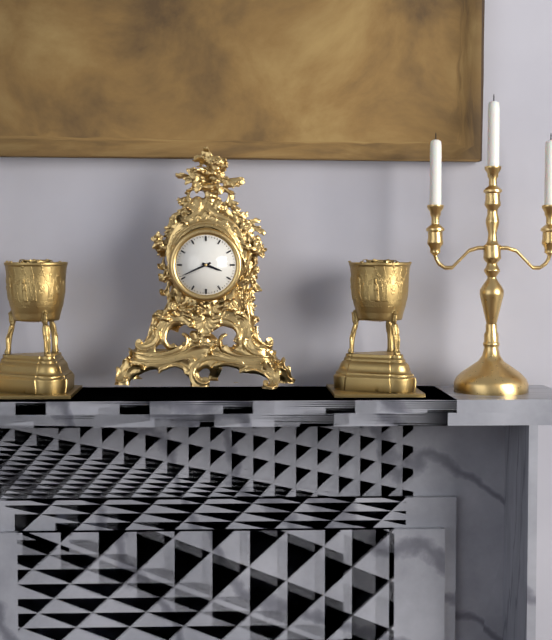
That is 3.41
